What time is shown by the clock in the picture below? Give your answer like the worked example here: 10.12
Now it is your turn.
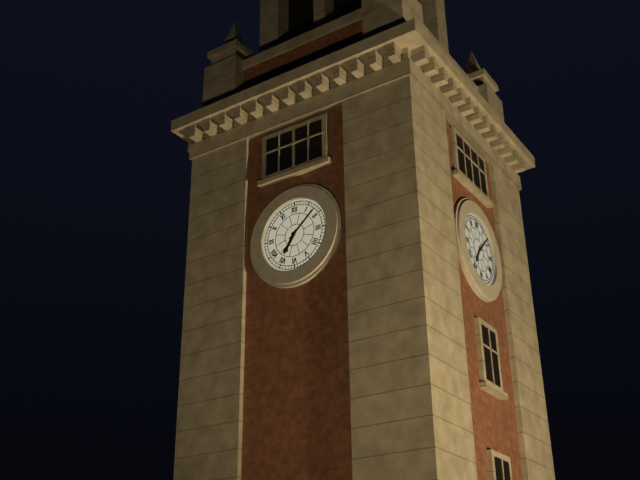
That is 7.08
